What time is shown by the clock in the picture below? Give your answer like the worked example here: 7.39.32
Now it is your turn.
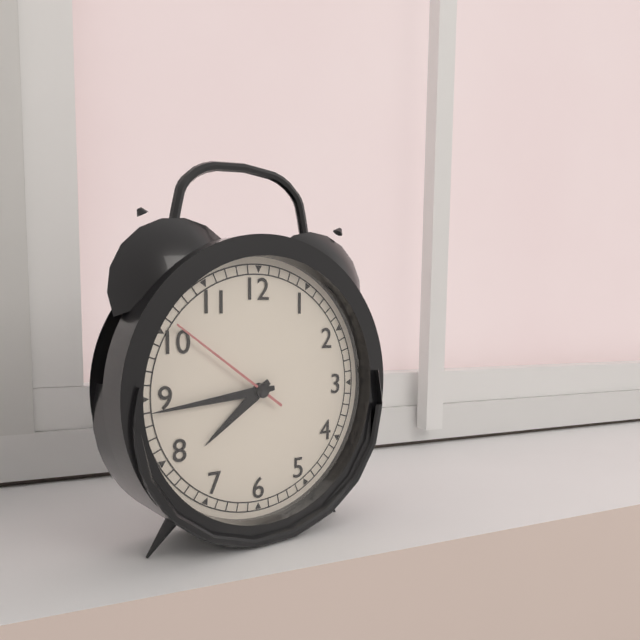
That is 7.44.51
